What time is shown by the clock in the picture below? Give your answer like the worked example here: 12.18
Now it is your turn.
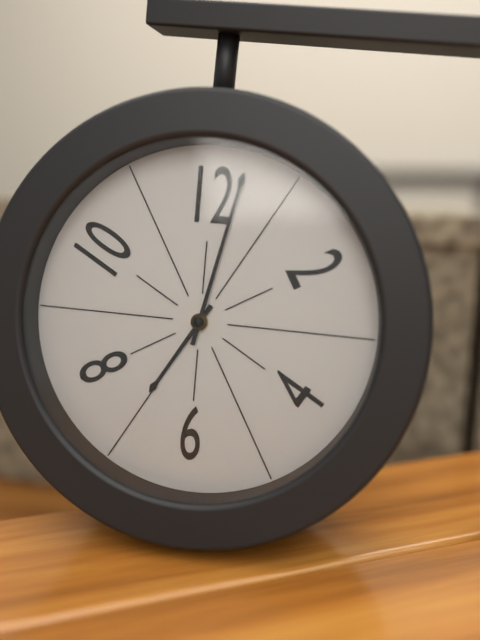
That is 7.02
